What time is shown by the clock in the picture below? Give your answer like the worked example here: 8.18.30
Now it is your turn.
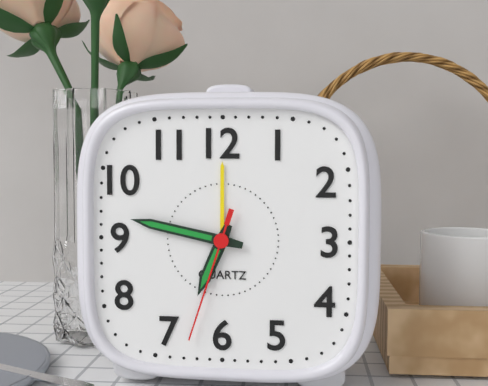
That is 6.47.33
